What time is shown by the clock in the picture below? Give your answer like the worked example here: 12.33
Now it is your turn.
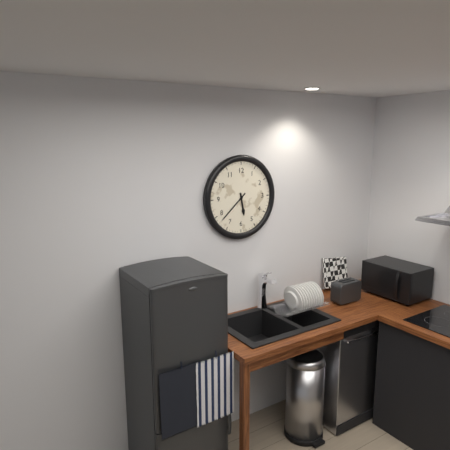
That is 5.38
